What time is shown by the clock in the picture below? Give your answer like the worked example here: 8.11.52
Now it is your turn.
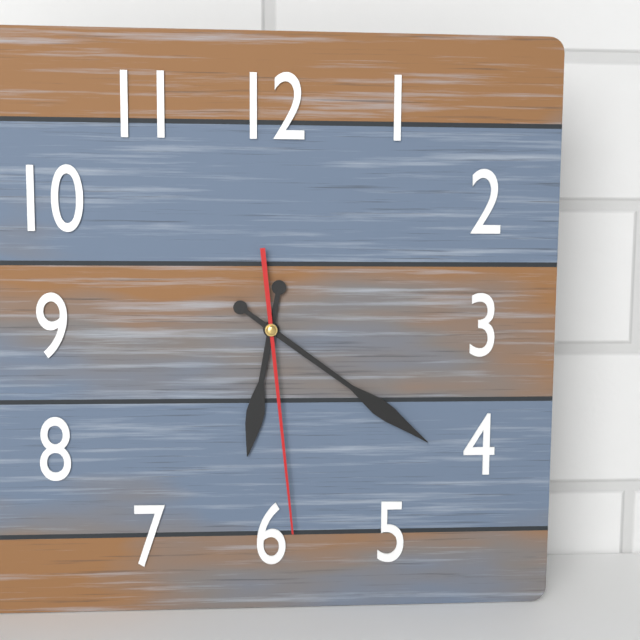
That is 6.21.29
